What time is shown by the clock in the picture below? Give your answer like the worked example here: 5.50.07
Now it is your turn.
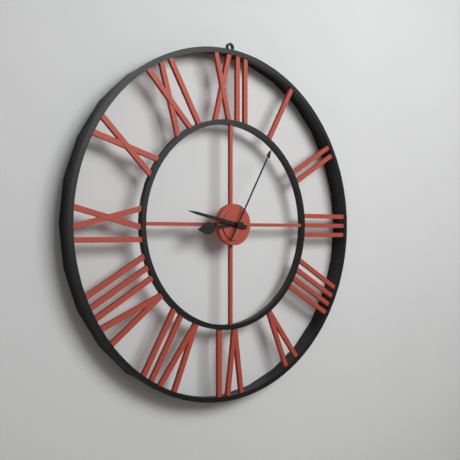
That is 8.47.05
